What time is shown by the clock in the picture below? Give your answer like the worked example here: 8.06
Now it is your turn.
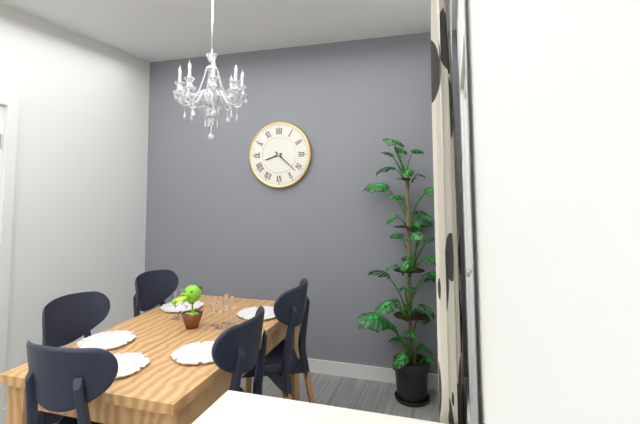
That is 8.22
